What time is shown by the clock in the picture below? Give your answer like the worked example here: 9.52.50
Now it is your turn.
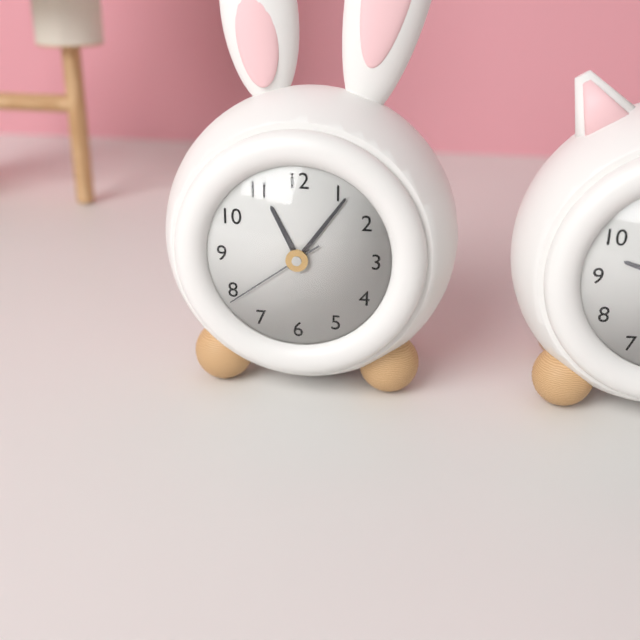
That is 11.06.39
